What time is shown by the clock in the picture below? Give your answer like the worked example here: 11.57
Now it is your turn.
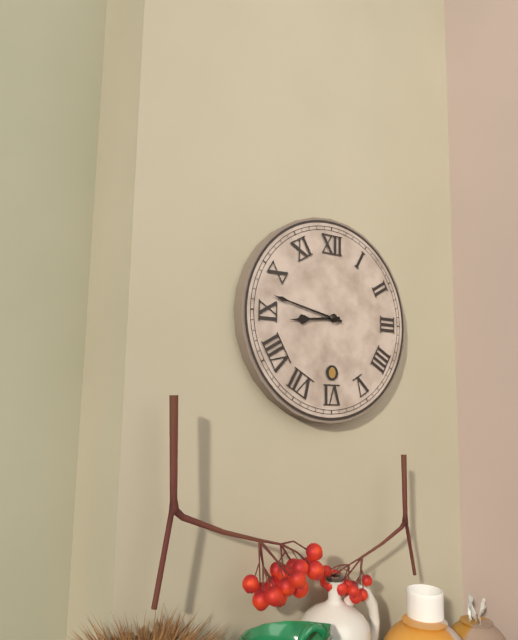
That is 8.47
